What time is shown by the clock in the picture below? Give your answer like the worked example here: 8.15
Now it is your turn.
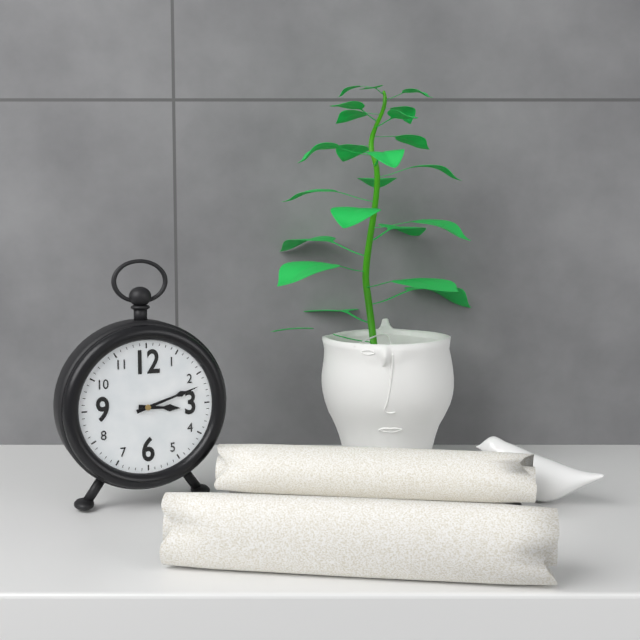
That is 3.12
